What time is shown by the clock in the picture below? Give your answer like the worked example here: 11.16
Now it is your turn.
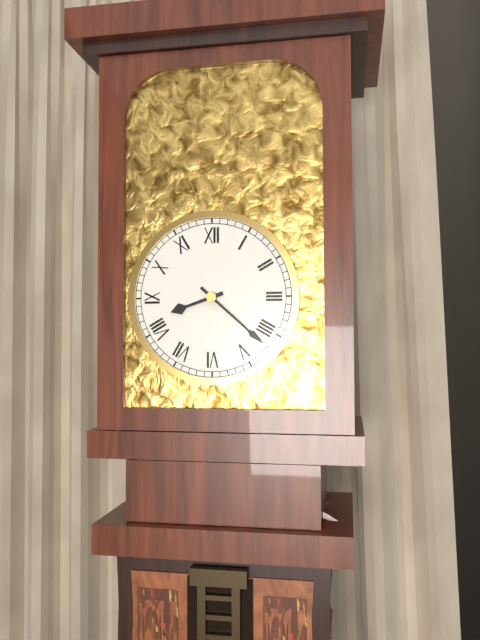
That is 8.22
